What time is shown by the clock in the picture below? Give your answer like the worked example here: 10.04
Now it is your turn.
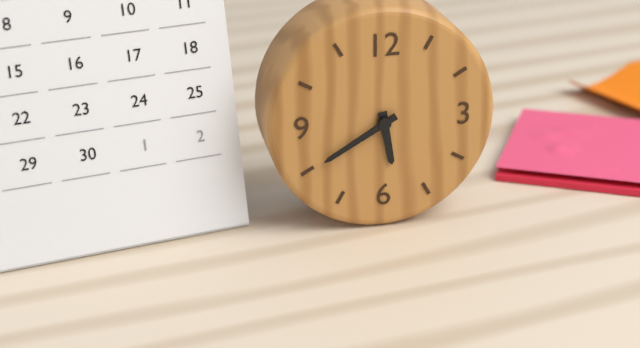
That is 5.40
